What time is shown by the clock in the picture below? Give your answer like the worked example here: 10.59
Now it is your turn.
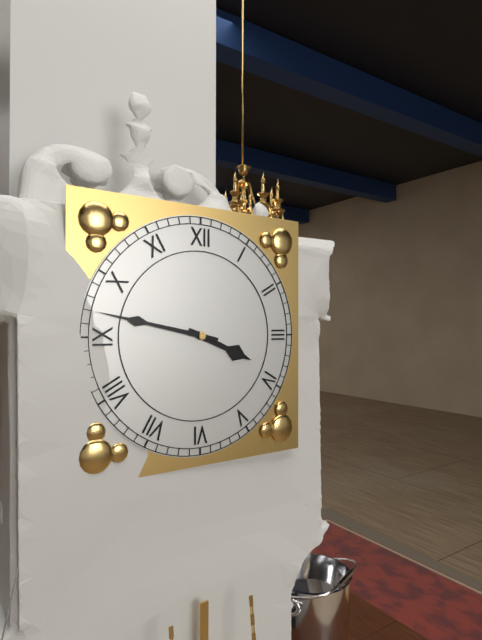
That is 3.47
